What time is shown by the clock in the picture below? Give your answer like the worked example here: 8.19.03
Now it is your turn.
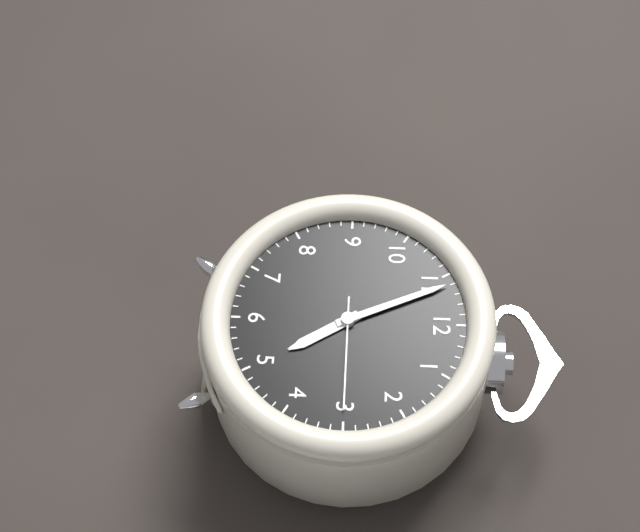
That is 4.56.15
